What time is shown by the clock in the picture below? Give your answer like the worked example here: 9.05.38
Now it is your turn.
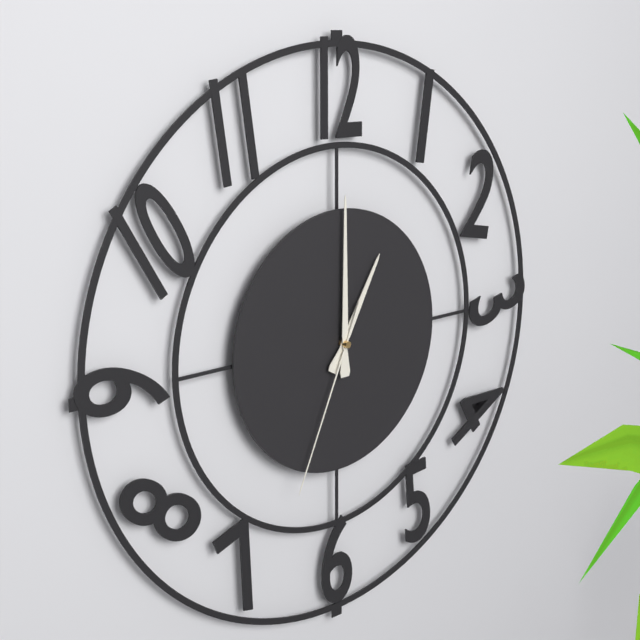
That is 1.00.34
